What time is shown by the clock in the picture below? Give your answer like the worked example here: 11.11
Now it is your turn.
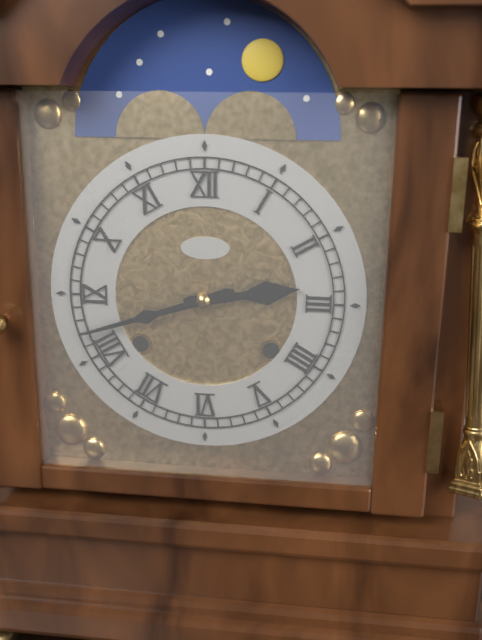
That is 2.42
